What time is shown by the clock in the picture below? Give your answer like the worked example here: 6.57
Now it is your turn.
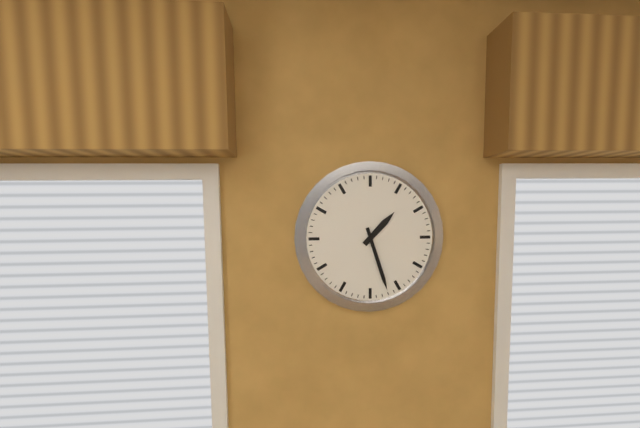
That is 1.27
